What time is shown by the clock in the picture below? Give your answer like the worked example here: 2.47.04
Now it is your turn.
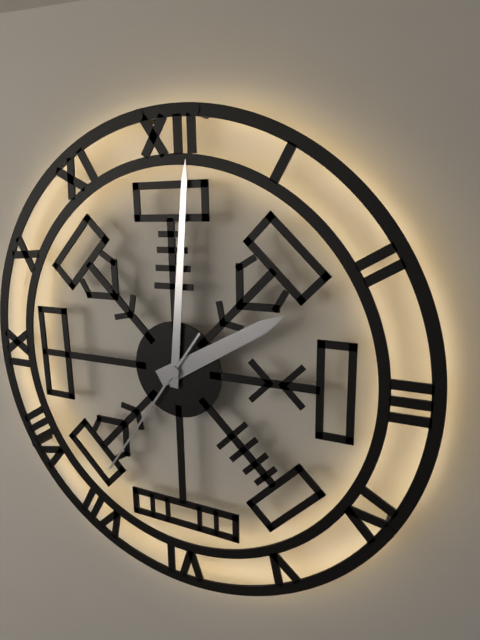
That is 2.01.36
